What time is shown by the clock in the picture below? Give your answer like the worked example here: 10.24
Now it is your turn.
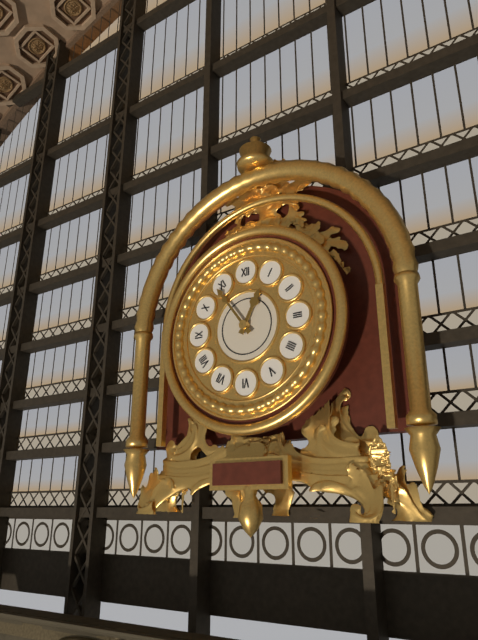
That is 12.54
